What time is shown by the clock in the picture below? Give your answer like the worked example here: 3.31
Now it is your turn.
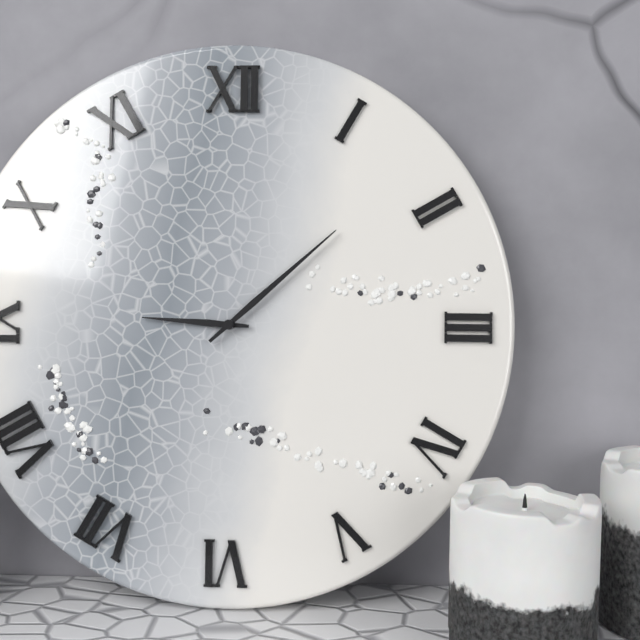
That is 9.08
